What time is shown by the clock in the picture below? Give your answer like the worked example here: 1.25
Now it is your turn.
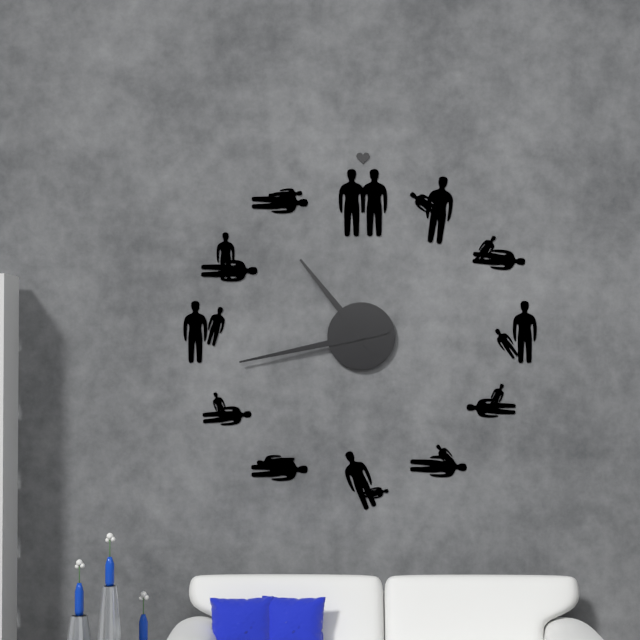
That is 10.43
